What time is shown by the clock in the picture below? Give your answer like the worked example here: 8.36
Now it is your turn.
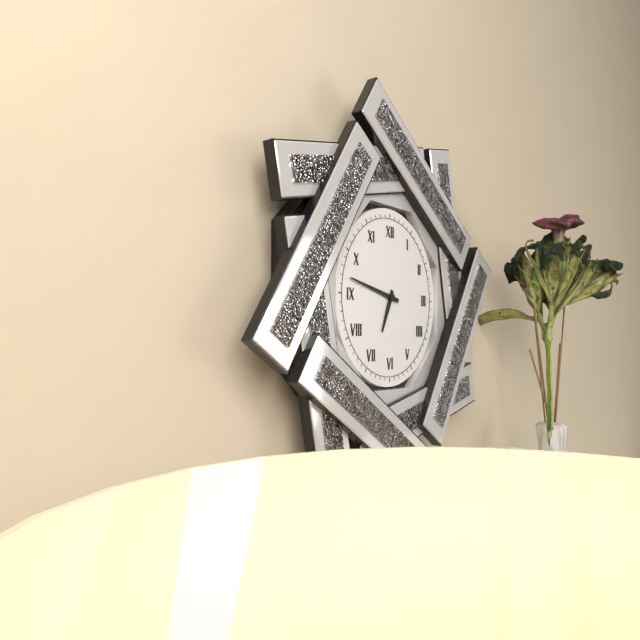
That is 6.47
